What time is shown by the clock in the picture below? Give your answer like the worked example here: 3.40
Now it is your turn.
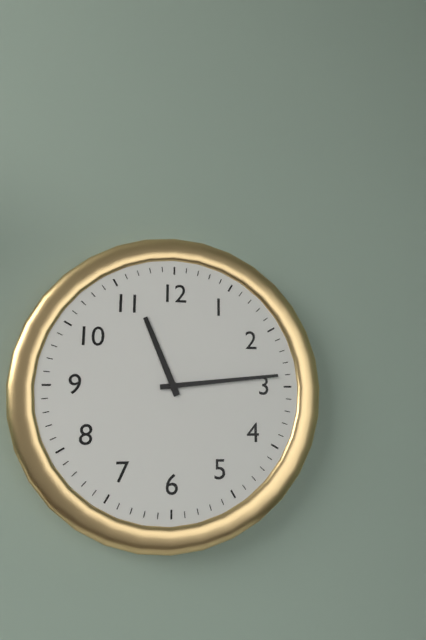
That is 11.14
